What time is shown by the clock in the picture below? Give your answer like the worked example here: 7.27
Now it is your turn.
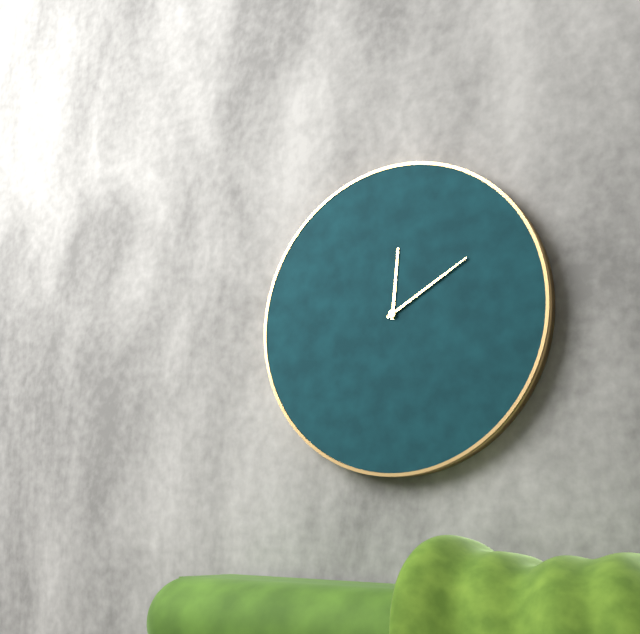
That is 12.10
